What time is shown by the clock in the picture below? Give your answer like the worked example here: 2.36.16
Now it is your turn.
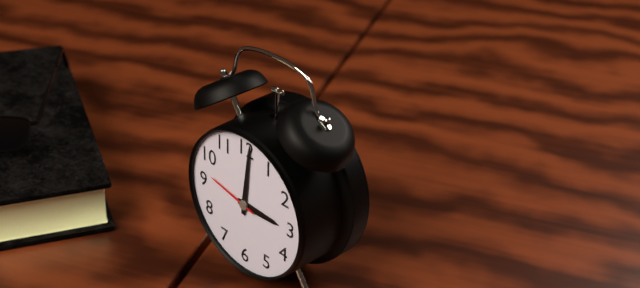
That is 3.01.47
